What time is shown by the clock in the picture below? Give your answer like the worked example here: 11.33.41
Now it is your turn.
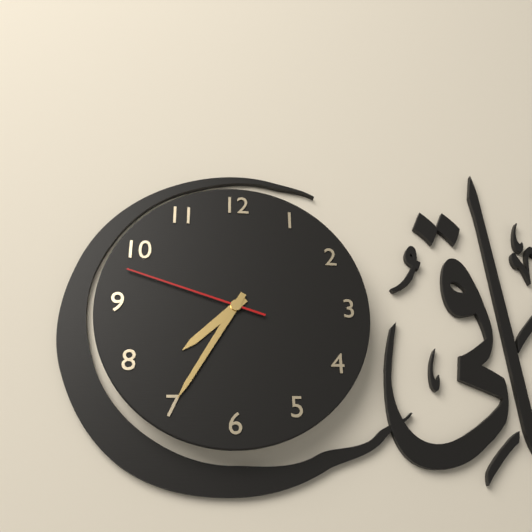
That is 7.35.48
